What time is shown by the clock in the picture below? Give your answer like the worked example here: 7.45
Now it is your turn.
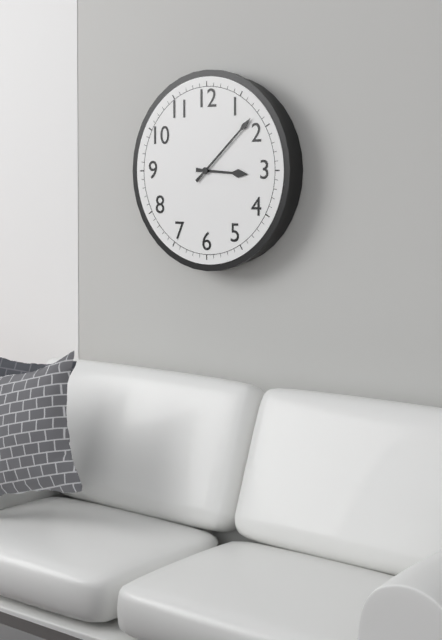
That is 3.08
